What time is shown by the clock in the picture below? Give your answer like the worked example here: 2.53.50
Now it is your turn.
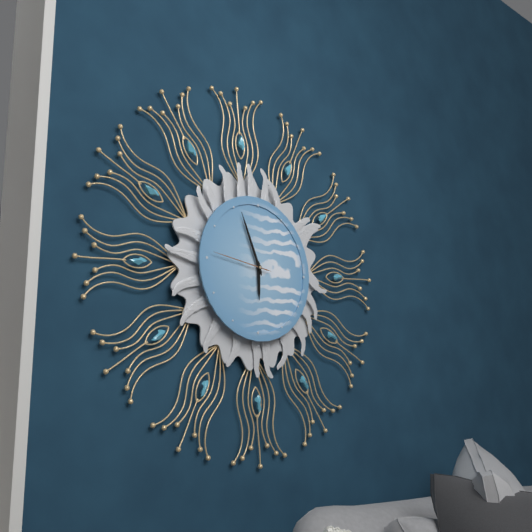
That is 5.56.46
